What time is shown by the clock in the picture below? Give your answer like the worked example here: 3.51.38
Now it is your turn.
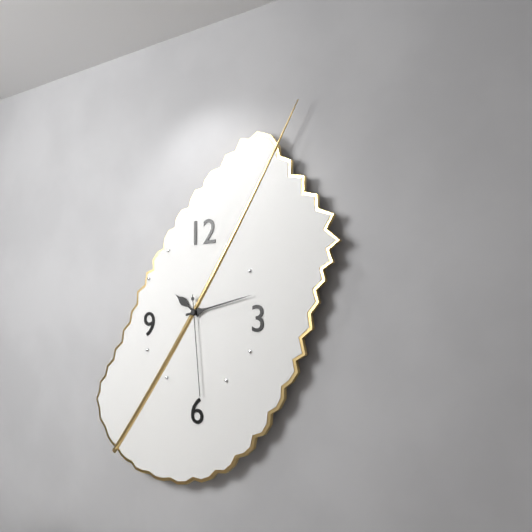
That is 10.13.29
